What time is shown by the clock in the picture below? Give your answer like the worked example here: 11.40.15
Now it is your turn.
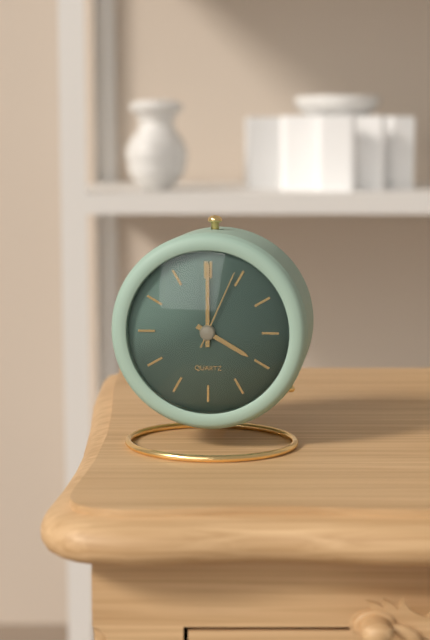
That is 4.00.04
